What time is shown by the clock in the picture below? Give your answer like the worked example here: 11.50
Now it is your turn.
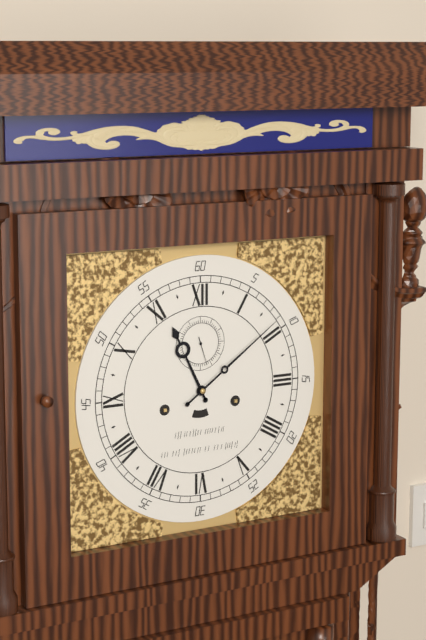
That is 11.09
